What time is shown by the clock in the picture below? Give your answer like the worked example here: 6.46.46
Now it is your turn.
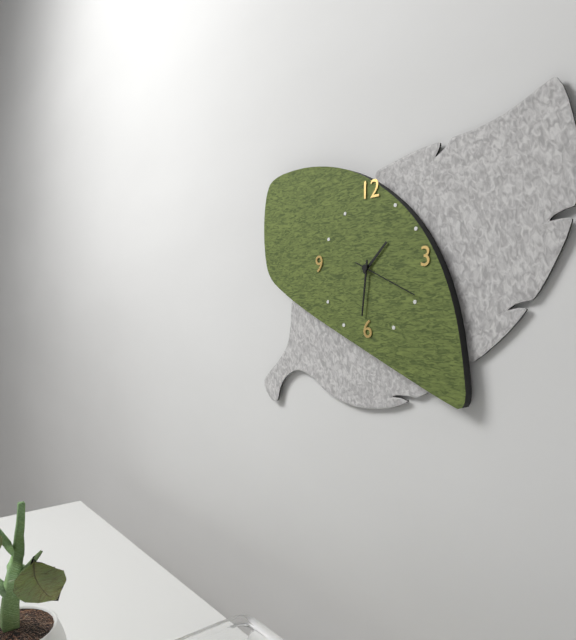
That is 1.31.19
